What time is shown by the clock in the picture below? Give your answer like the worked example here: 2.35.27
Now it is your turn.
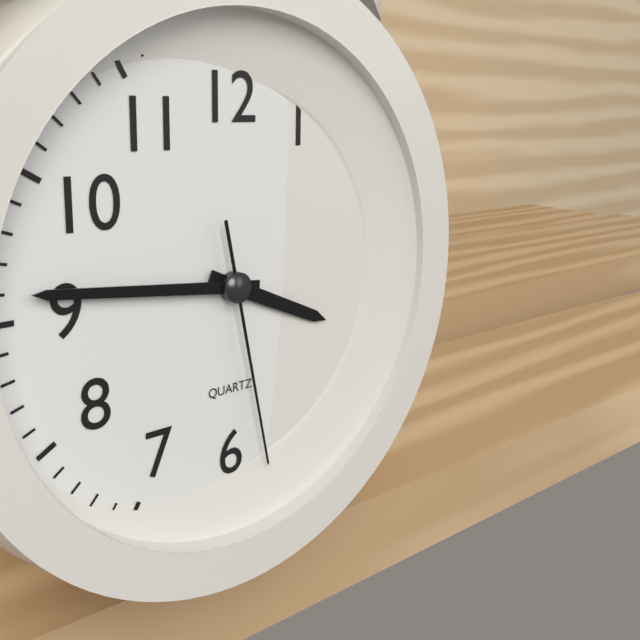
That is 3.46.28
